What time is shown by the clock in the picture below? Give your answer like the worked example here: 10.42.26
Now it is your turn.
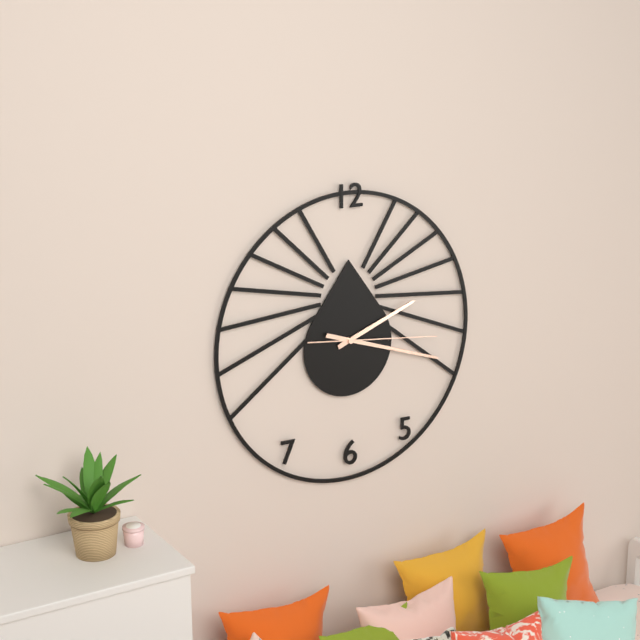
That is 2.18.16
